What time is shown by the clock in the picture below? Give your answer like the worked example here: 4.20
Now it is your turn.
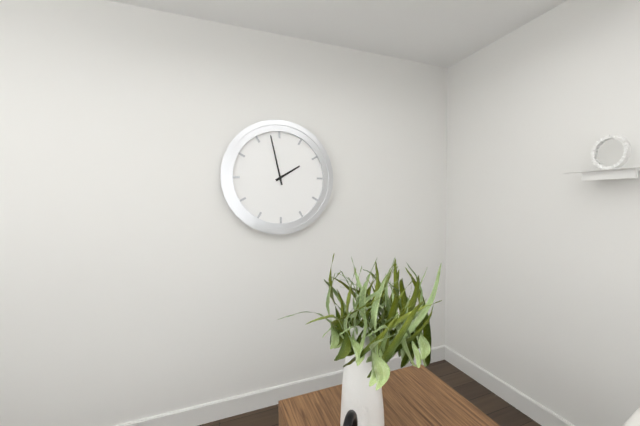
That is 1.58
